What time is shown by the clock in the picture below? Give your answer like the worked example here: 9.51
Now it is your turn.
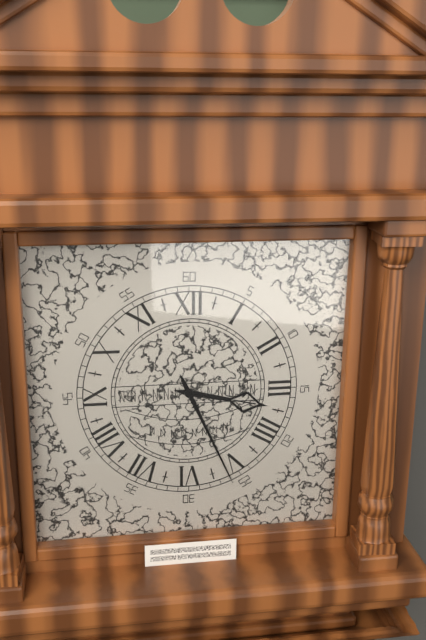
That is 3.26
